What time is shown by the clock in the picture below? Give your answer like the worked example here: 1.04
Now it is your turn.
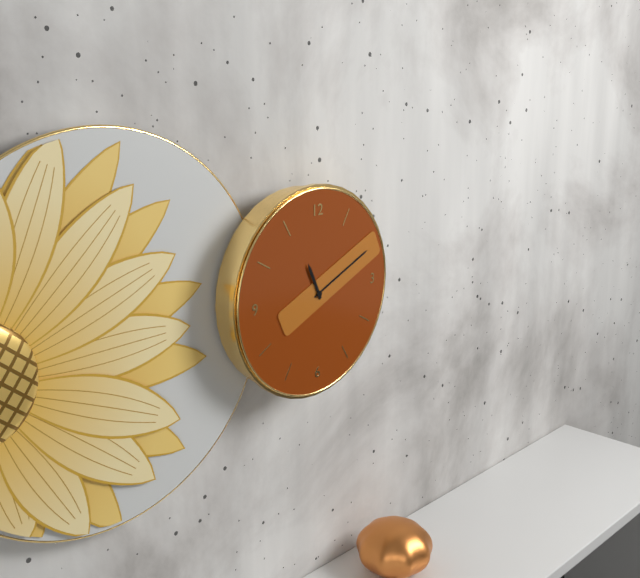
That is 11.11
